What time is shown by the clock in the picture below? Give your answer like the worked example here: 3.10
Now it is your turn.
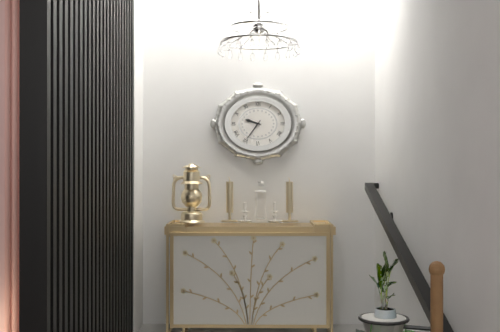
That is 9.36
